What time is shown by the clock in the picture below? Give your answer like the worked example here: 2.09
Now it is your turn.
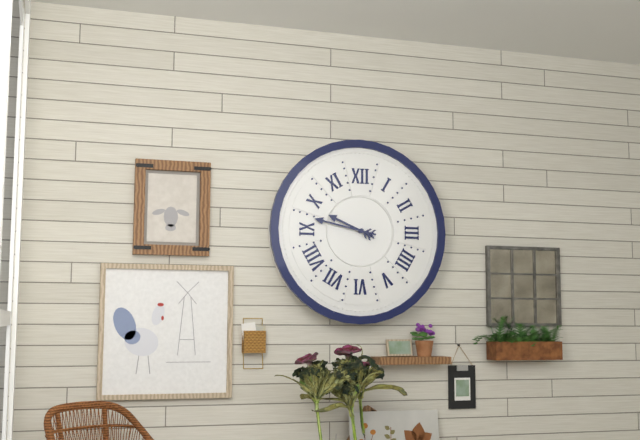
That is 9.47
